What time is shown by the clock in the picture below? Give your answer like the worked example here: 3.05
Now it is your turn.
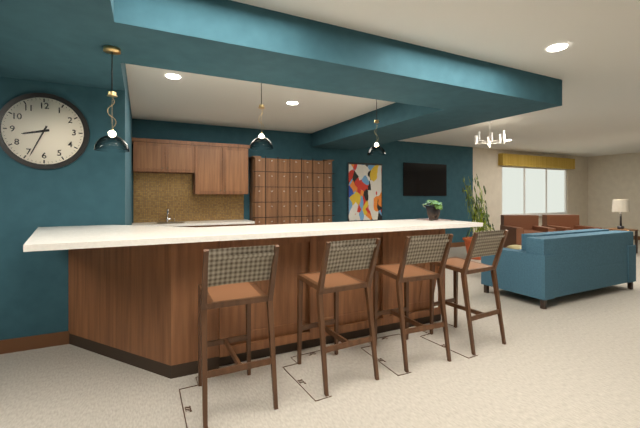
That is 8.34
